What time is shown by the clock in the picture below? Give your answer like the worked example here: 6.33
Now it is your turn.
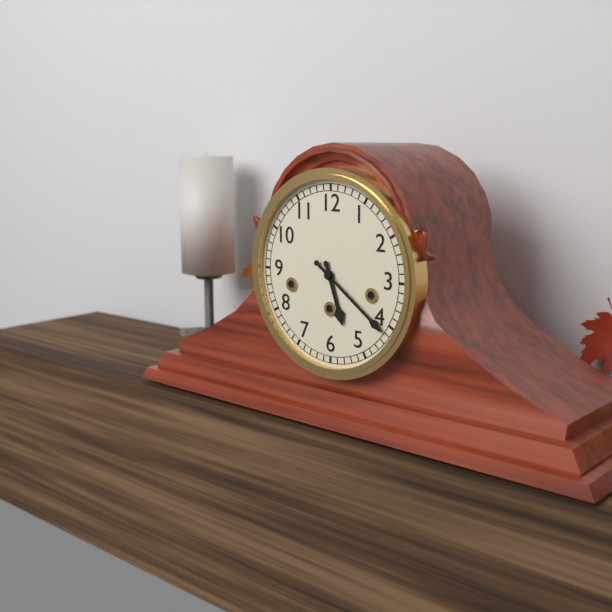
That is 5.21
